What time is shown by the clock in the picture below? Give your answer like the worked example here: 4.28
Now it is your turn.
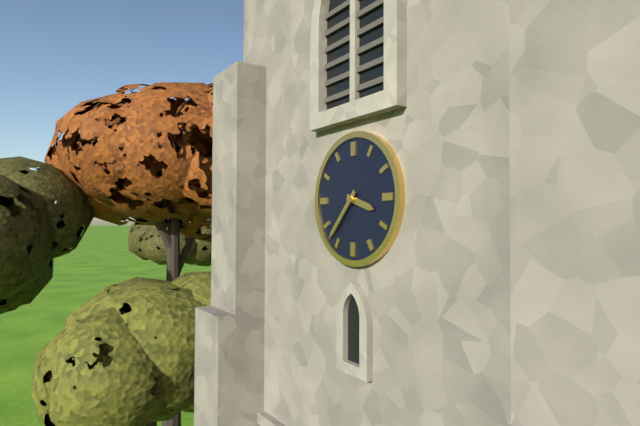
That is 3.37
